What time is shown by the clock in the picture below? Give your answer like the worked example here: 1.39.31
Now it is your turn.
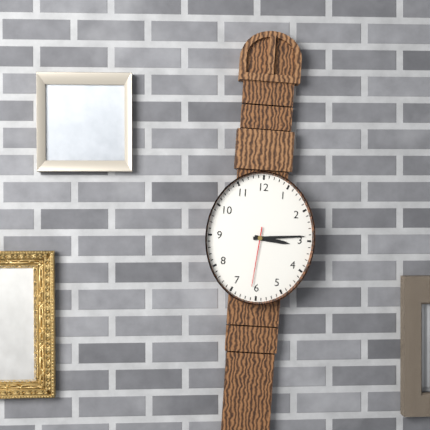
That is 3.14.31
